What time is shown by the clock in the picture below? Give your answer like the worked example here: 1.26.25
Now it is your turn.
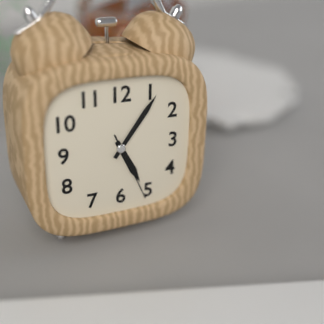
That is 5.06.26
